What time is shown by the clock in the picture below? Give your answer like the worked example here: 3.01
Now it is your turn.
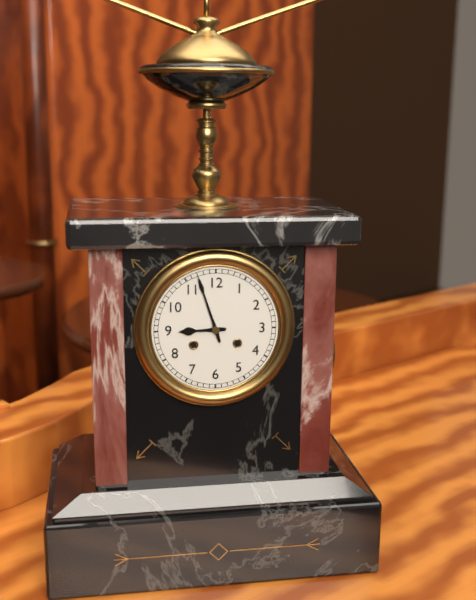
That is 8.57
